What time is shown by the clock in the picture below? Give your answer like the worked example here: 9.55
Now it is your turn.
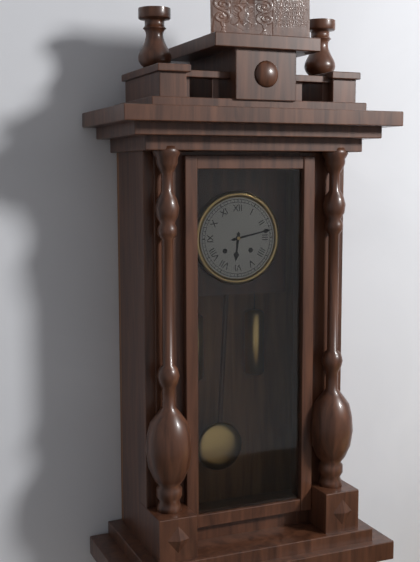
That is 6.13
